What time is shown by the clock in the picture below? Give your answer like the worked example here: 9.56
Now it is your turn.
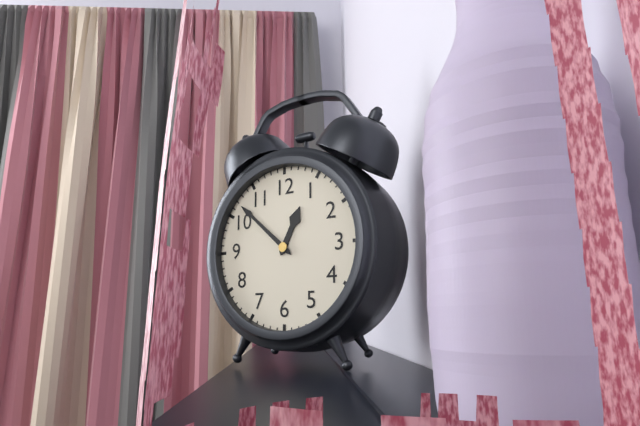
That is 12.52
